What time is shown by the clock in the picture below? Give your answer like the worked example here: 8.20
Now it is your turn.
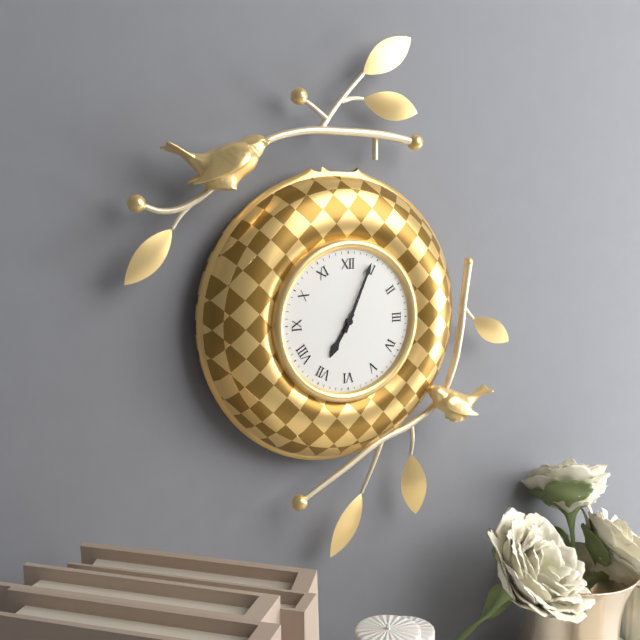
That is 7.04
